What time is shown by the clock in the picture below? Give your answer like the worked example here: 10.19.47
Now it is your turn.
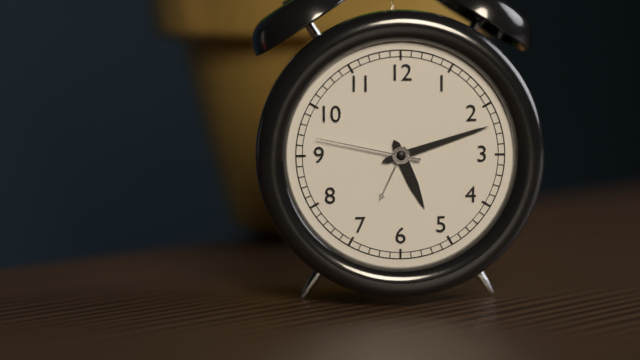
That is 5.12.47
